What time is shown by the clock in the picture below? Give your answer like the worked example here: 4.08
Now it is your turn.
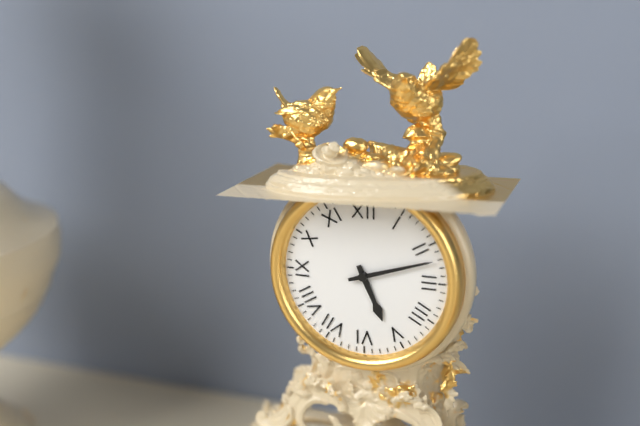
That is 5.12
